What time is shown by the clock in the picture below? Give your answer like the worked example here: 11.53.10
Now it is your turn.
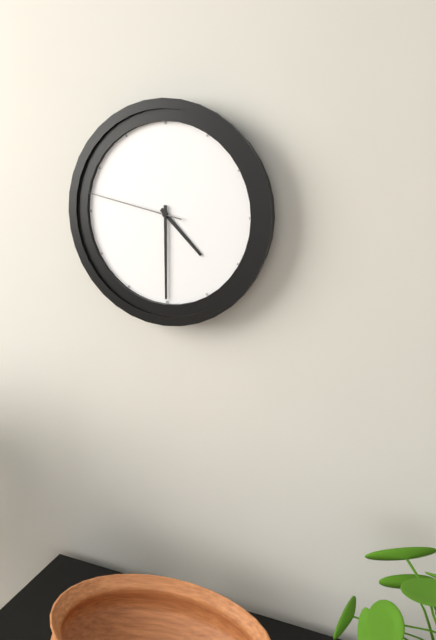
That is 4.30.47
